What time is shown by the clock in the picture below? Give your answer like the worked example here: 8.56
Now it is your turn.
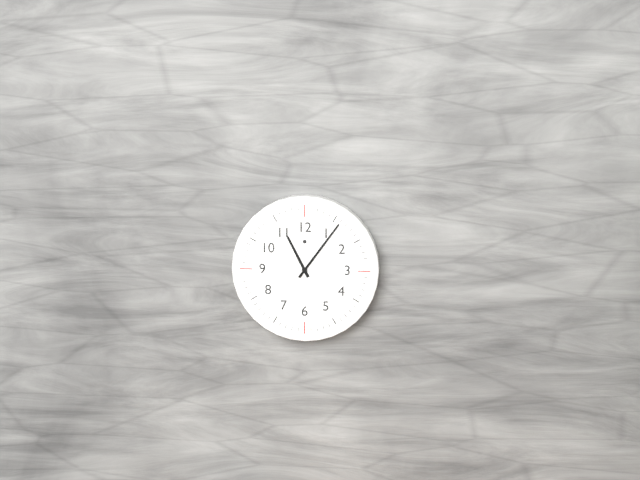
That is 11.06
